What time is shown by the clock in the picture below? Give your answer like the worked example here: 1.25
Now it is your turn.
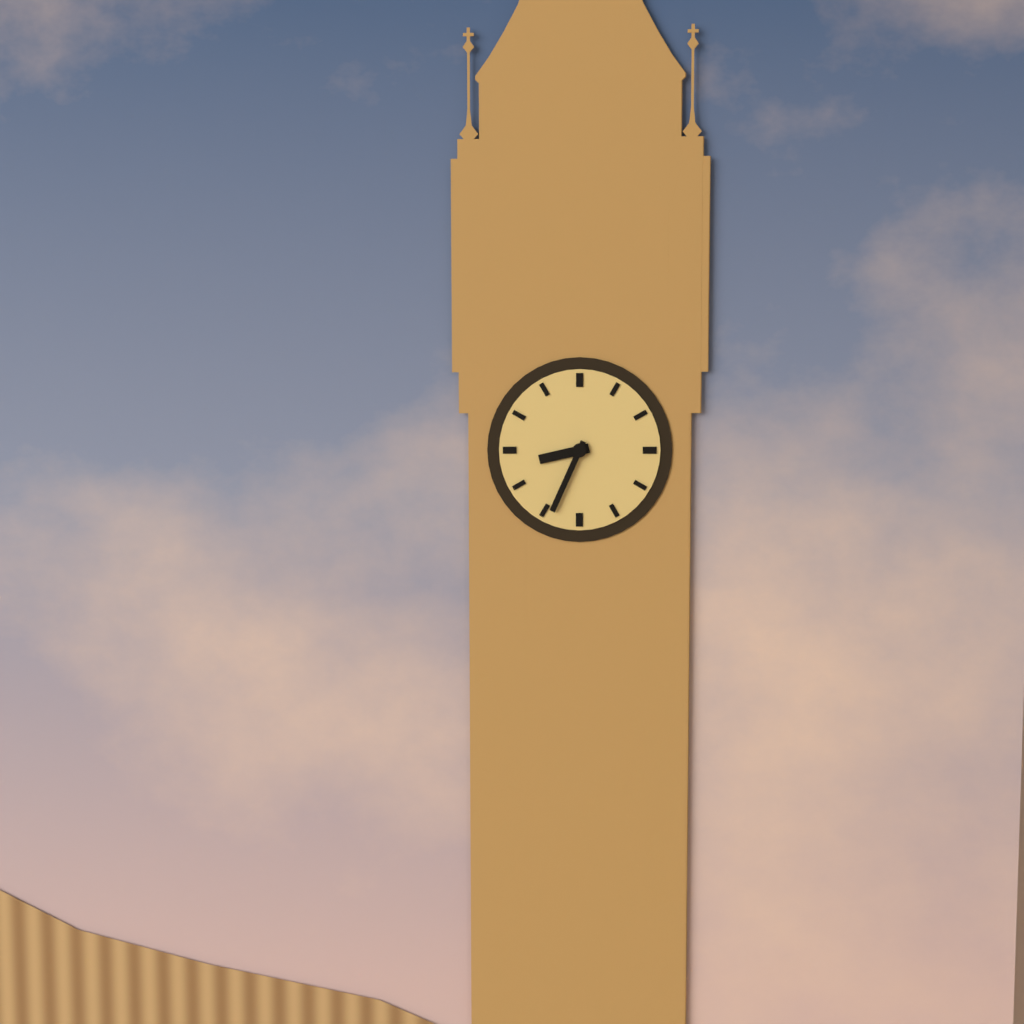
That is 8.34
